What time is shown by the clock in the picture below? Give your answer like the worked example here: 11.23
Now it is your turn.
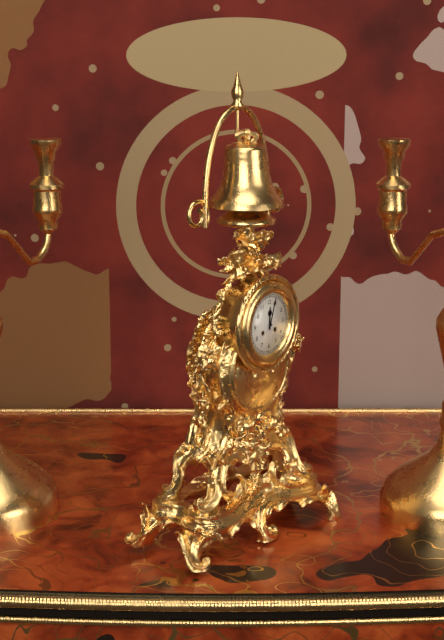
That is 12.03
